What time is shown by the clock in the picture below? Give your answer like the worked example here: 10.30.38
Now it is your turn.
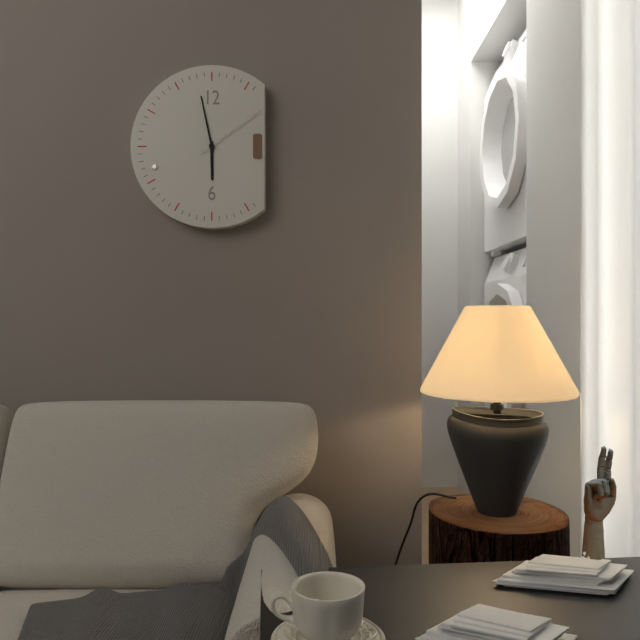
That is 5.58.09
